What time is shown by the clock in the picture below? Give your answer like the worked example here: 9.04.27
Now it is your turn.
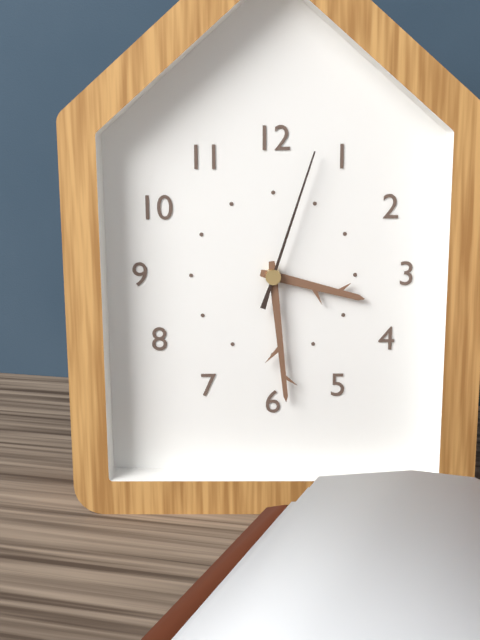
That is 3.29.03
